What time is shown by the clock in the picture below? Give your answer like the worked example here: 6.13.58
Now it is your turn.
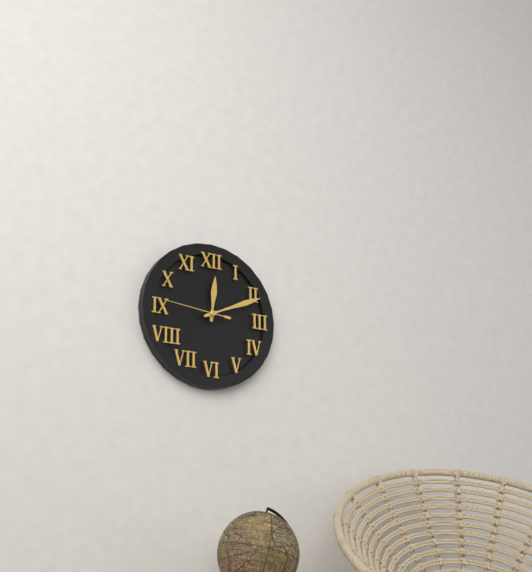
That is 12.11.46
